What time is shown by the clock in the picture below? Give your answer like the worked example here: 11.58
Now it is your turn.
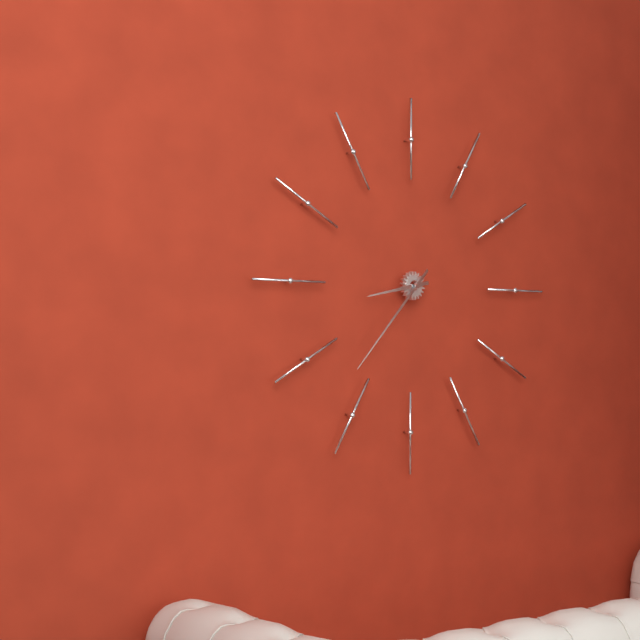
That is 8.37
